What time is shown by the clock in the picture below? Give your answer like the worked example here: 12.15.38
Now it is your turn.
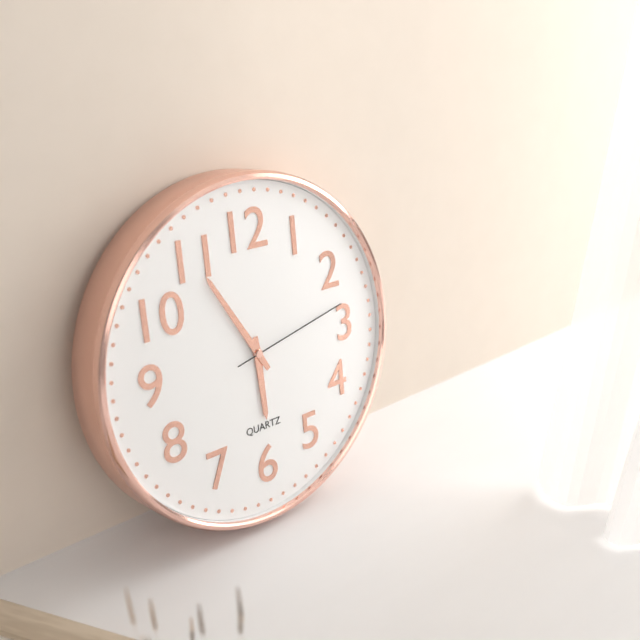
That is 5.55.13
